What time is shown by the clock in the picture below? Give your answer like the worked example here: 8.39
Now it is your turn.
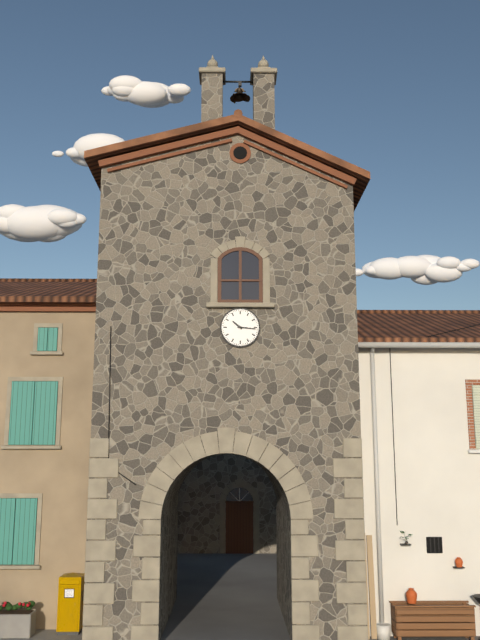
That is 10.16
